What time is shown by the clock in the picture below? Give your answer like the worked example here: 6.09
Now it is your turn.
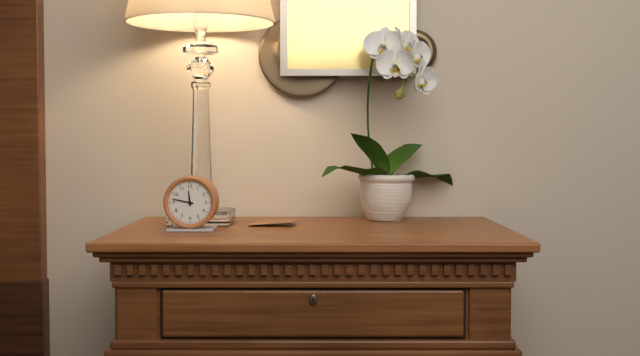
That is 11.47
